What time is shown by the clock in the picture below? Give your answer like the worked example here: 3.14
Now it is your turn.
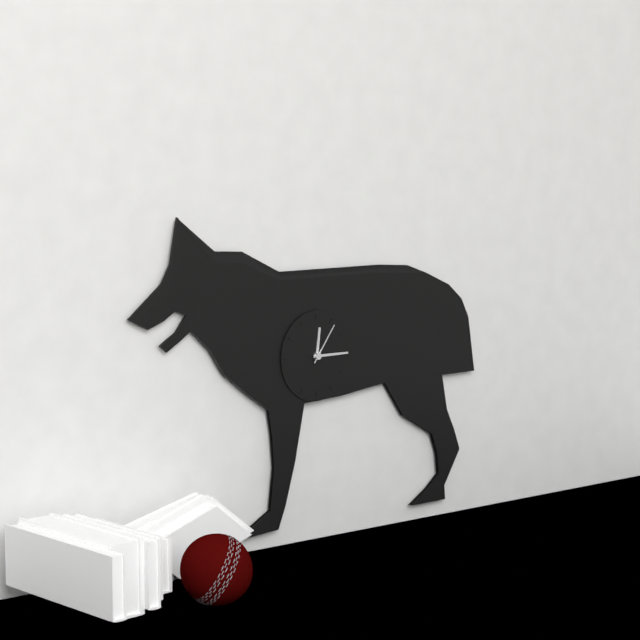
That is 12.15
